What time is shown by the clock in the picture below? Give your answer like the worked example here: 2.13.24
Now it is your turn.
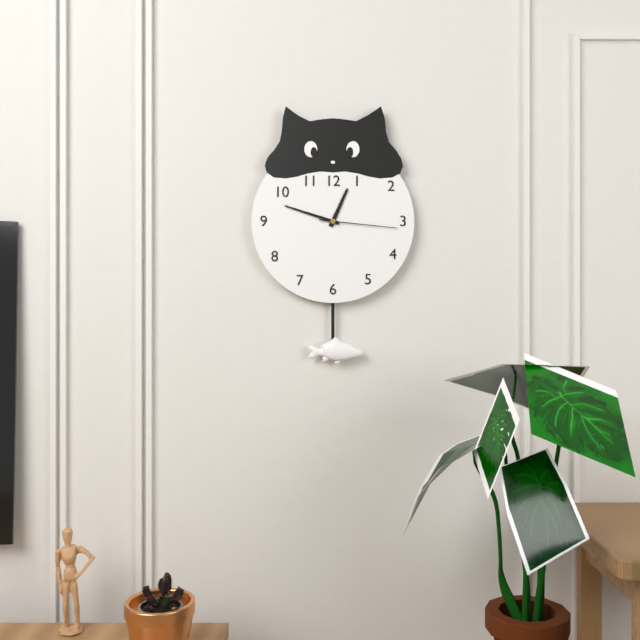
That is 12.48.16
